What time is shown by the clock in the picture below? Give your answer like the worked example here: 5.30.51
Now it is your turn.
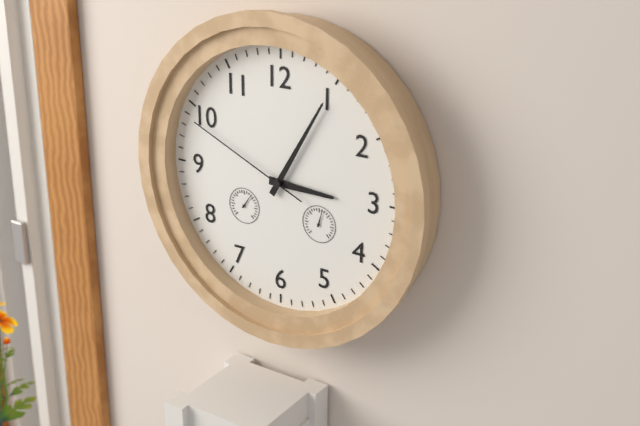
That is 3.05.49
